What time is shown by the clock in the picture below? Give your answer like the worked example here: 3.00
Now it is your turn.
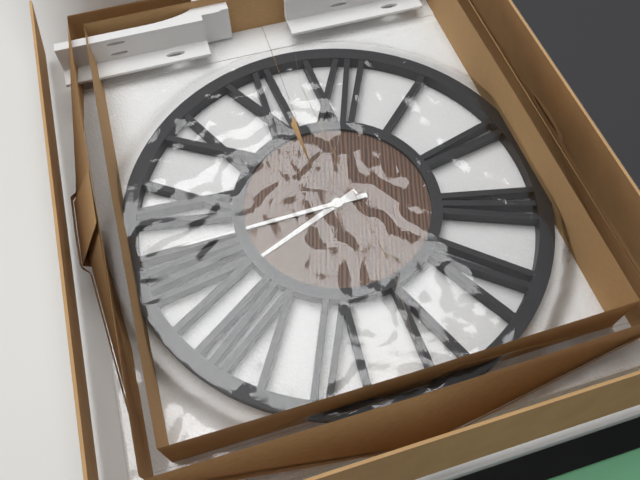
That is 7.42
